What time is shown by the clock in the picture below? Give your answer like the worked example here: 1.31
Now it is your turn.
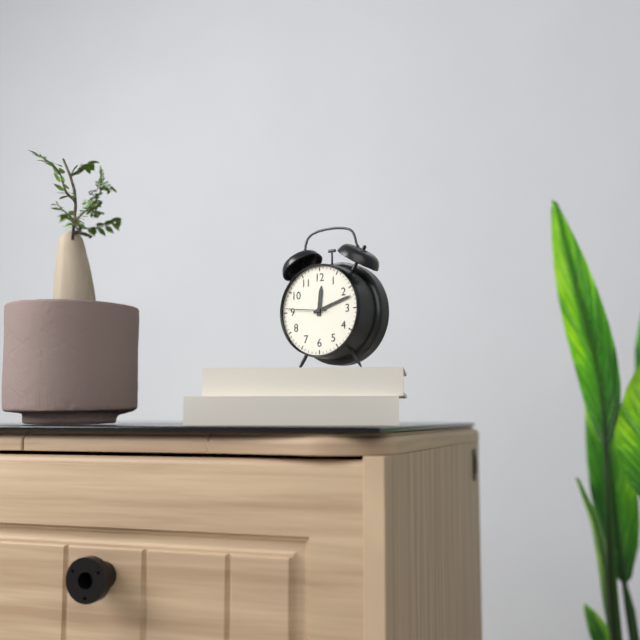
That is 12.12
